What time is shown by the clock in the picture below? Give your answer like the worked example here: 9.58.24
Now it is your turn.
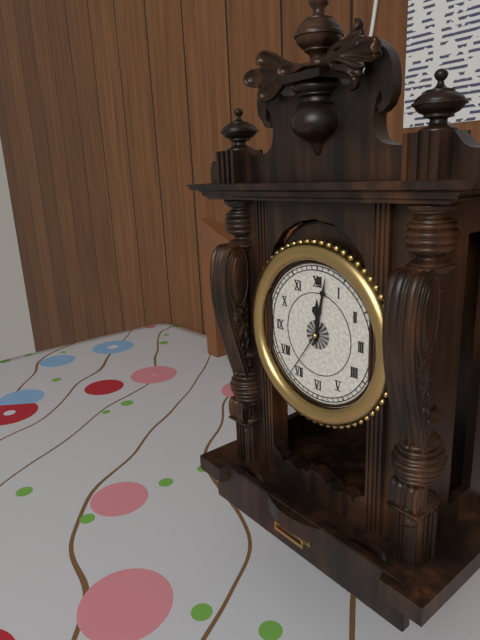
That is 12.02.36
